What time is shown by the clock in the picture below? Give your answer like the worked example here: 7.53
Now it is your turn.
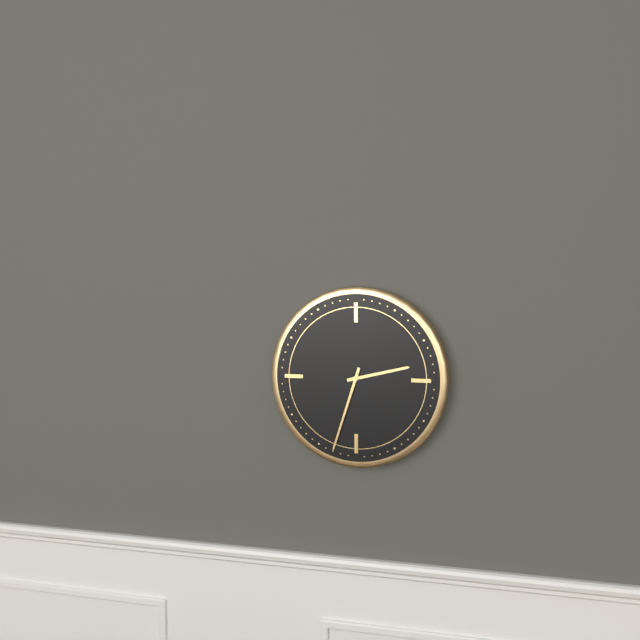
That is 2.33
